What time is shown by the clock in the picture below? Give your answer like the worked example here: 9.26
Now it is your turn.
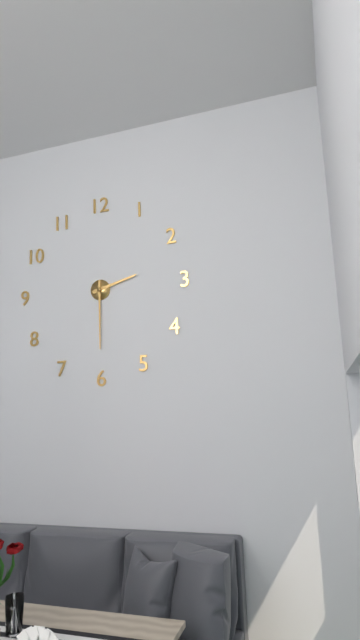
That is 2.30
